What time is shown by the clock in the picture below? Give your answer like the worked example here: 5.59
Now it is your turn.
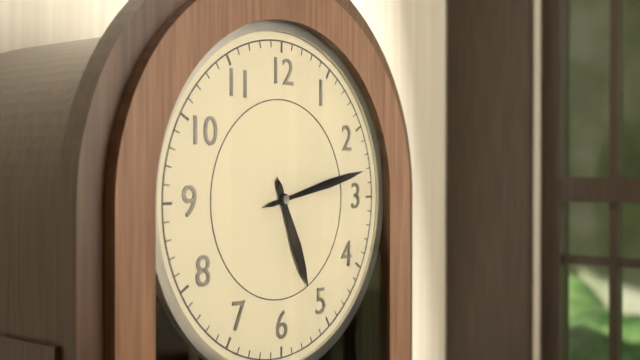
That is 5.13
